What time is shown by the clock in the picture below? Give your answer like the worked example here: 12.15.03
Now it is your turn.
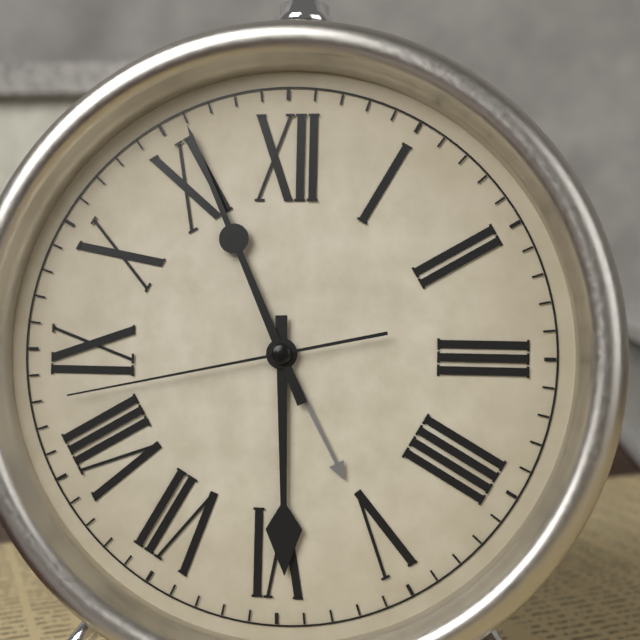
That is 5.56.43
